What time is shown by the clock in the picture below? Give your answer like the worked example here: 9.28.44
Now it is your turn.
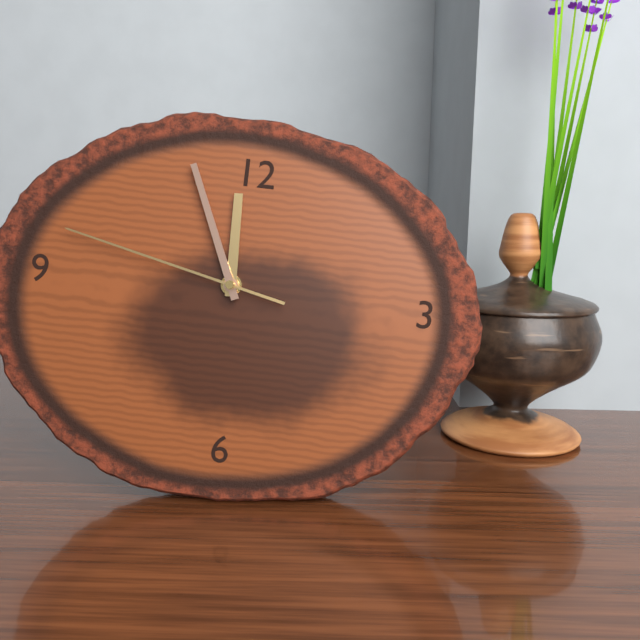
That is 11.56.47
